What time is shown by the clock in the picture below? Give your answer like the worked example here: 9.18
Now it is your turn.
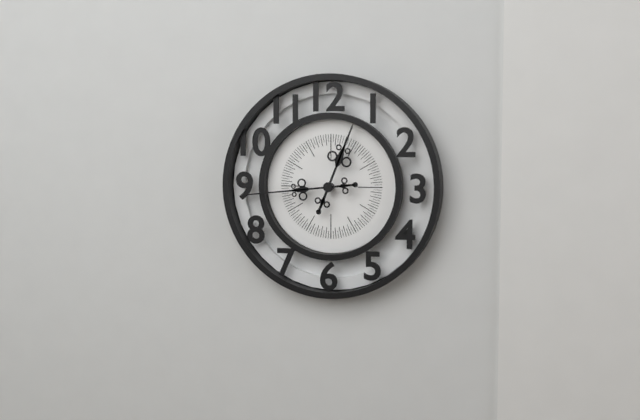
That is 12.44
